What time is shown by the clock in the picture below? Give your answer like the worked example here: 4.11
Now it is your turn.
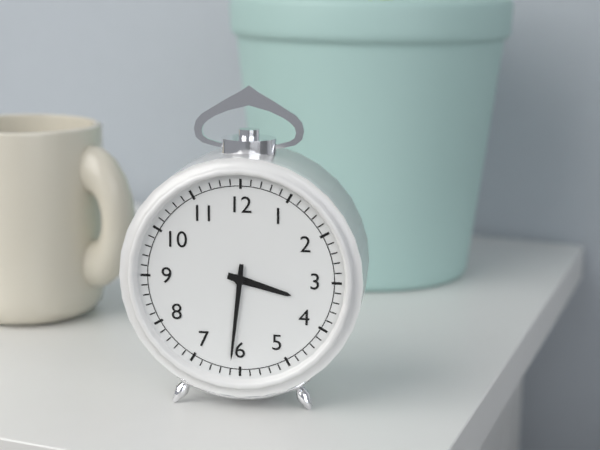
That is 3.31
